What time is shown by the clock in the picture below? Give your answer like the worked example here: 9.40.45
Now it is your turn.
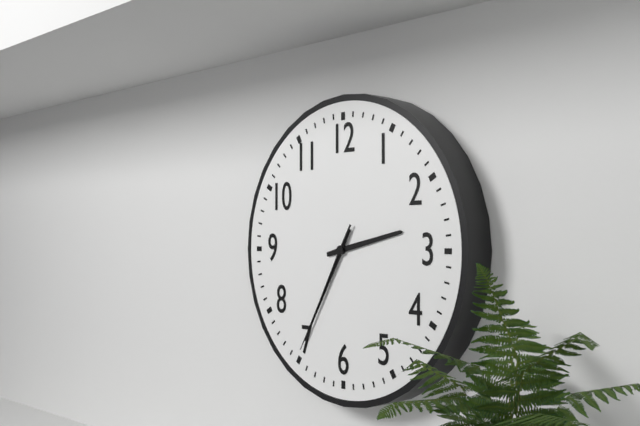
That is 2.35.35
